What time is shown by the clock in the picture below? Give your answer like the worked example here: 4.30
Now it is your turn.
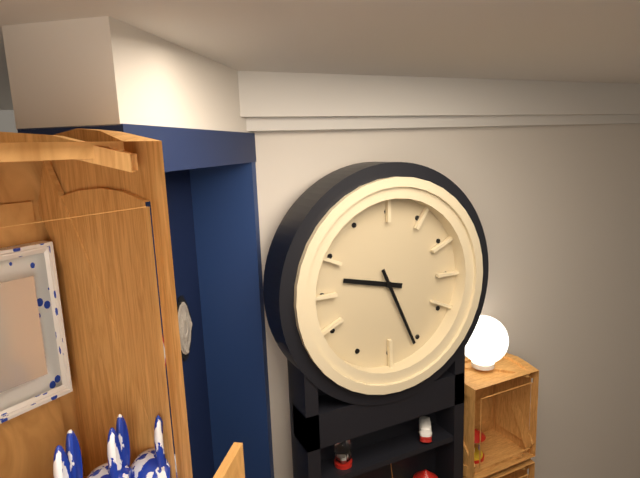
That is 9.26
